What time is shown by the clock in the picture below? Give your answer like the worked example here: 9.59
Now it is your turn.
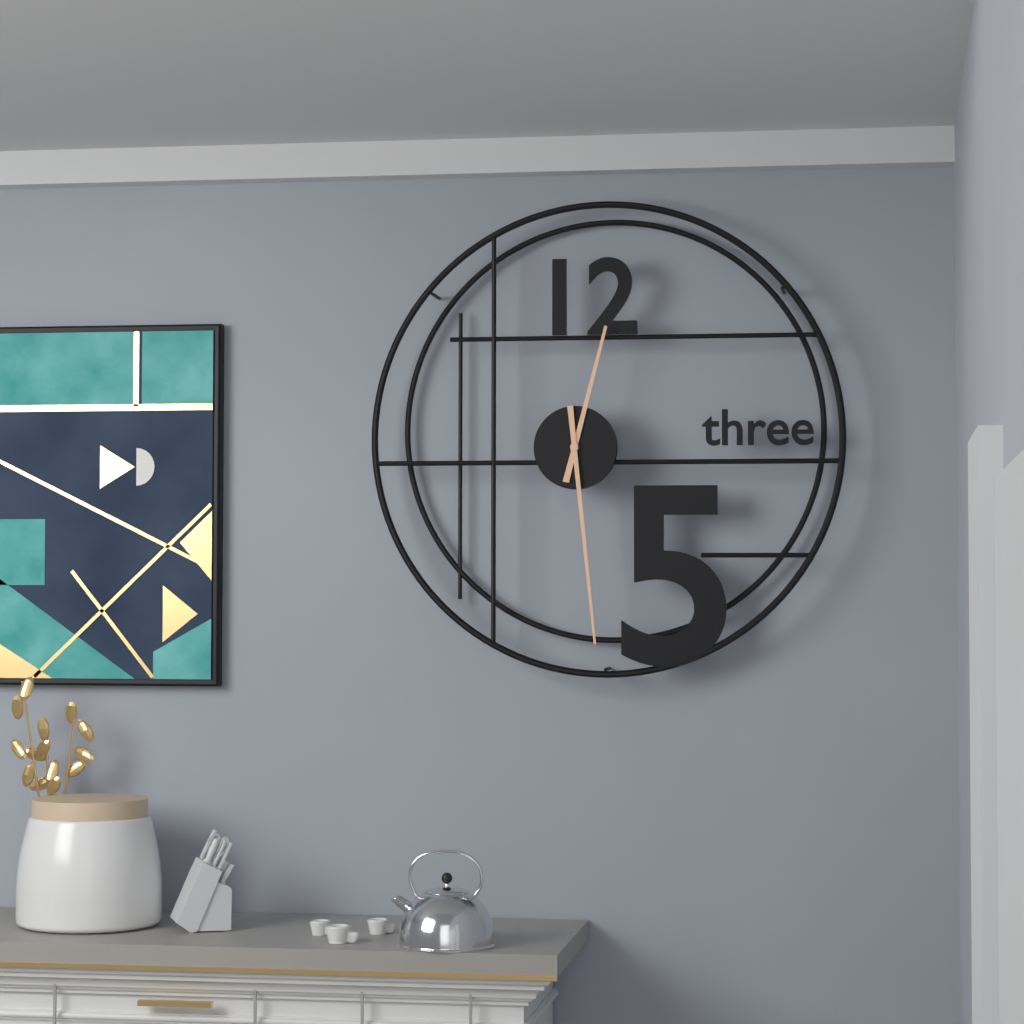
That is 12.29
